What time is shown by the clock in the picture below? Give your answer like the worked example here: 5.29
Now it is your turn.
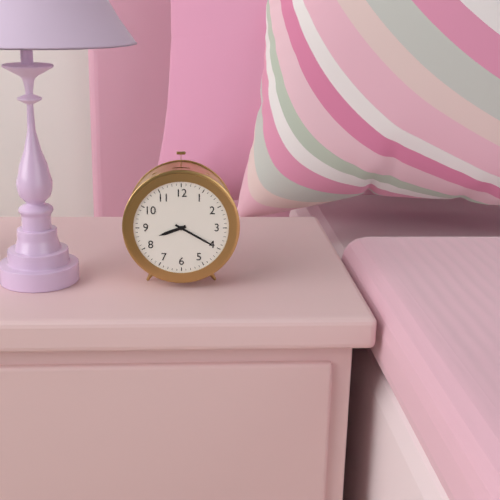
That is 8.20
